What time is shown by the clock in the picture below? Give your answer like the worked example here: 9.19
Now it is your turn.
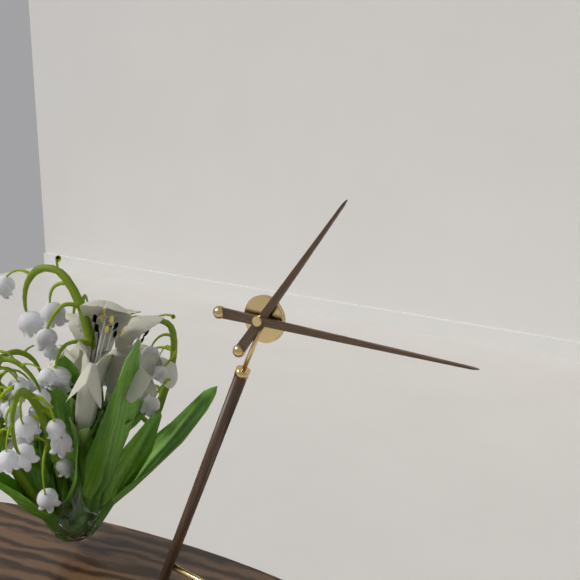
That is 1.15
